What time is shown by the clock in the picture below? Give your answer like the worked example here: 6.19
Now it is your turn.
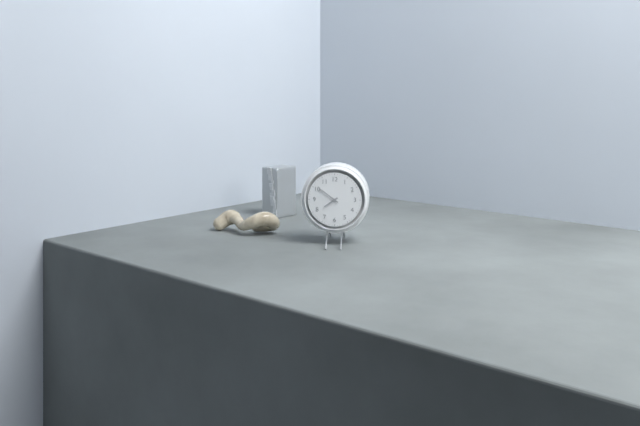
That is 7.51
